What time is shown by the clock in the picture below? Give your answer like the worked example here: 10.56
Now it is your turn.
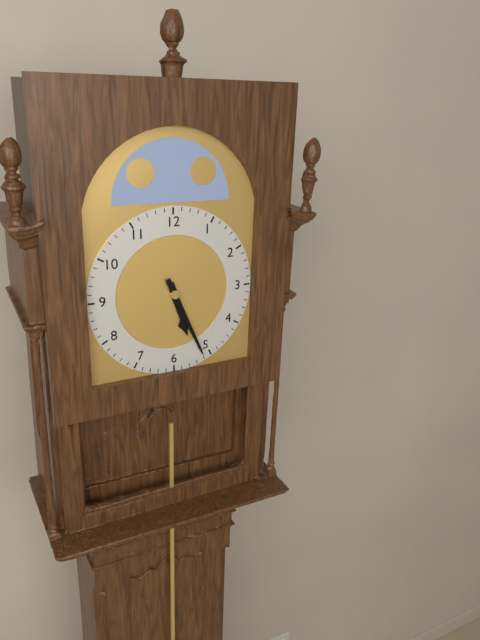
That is 5.26
